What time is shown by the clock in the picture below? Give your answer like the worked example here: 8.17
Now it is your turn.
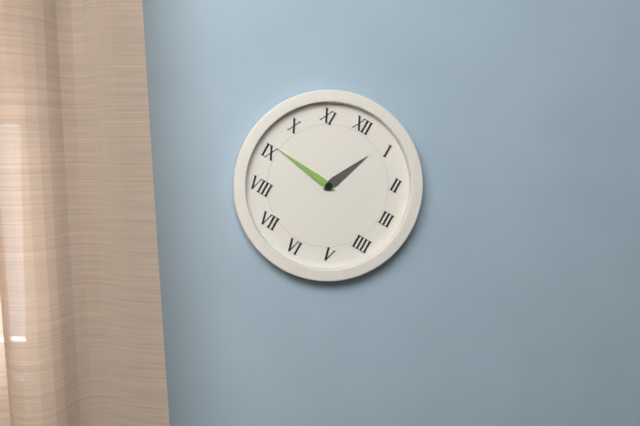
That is 12.46
